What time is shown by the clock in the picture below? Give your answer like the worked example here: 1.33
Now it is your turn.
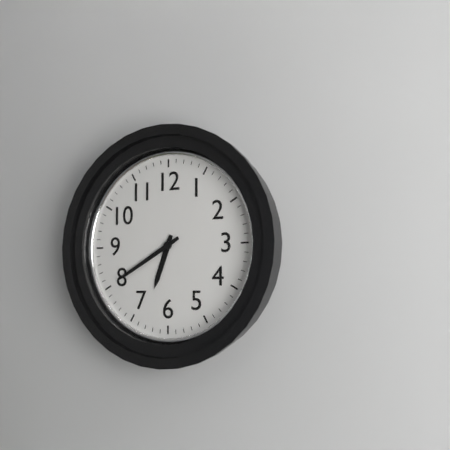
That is 6.40
